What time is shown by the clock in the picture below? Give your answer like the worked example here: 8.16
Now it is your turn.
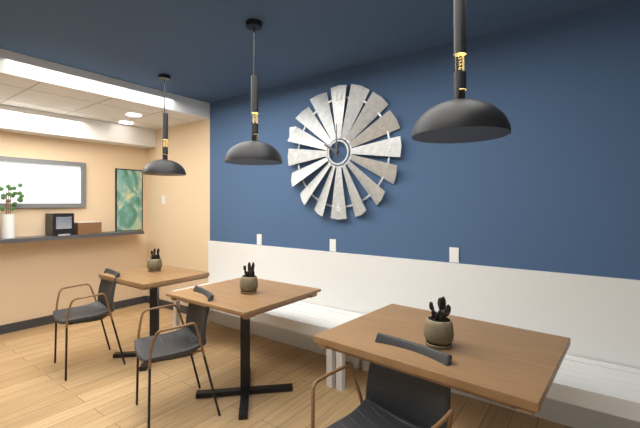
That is 10.00
